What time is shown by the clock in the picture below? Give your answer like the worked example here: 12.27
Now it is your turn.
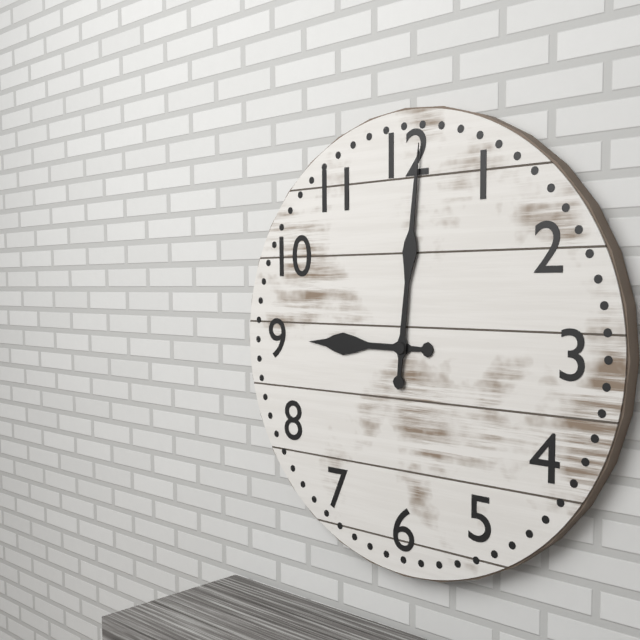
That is 9.01
